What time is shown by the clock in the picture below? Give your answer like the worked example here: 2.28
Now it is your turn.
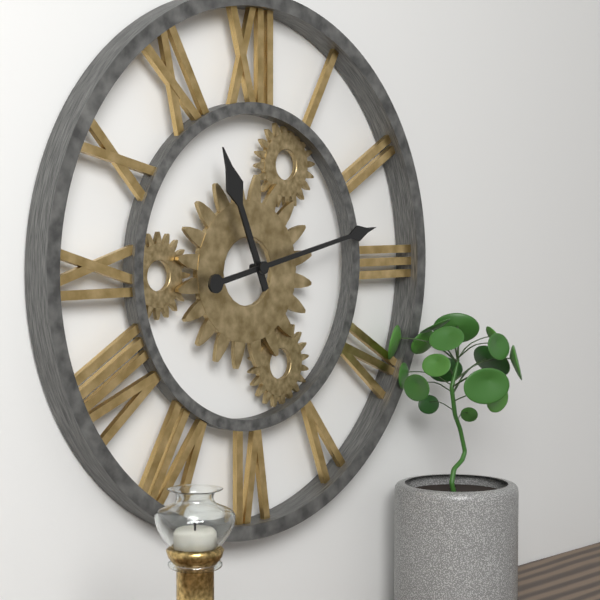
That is 11.13
